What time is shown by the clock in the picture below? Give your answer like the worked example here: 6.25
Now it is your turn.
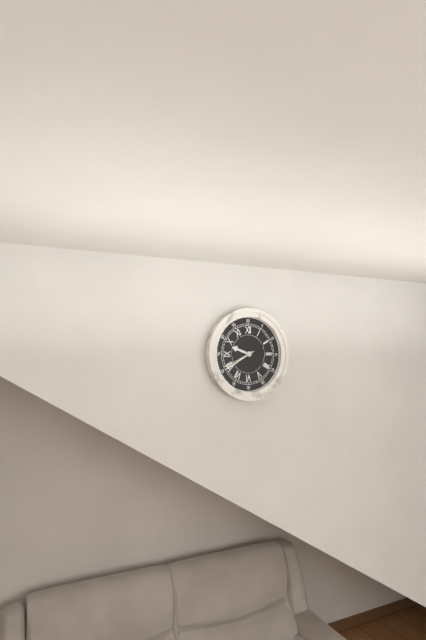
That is 9.40
